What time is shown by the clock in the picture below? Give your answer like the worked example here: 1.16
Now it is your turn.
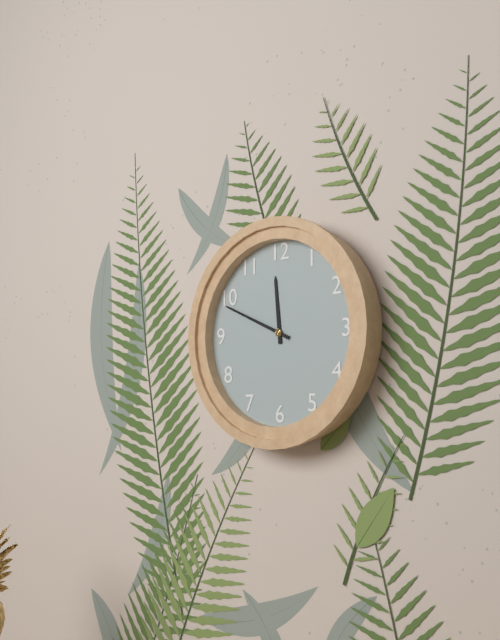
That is 11.49
